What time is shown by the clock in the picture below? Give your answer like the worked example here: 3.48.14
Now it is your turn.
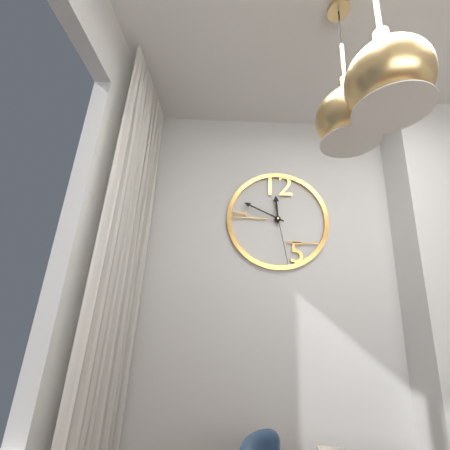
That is 11.49.28
